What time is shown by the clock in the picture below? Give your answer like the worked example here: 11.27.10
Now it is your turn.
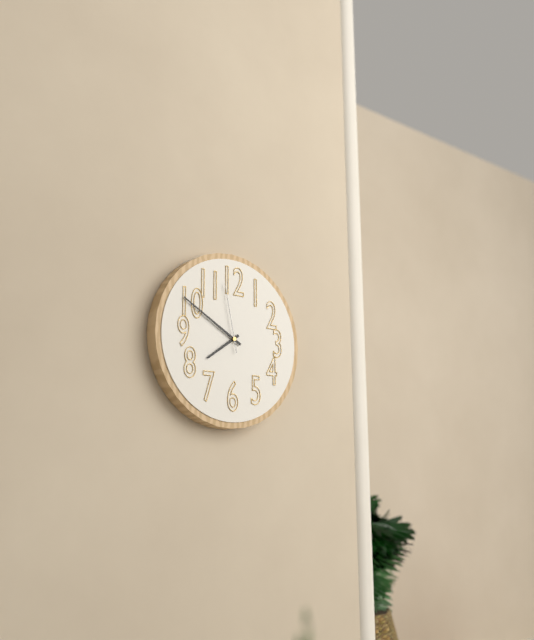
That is 7.50.58
